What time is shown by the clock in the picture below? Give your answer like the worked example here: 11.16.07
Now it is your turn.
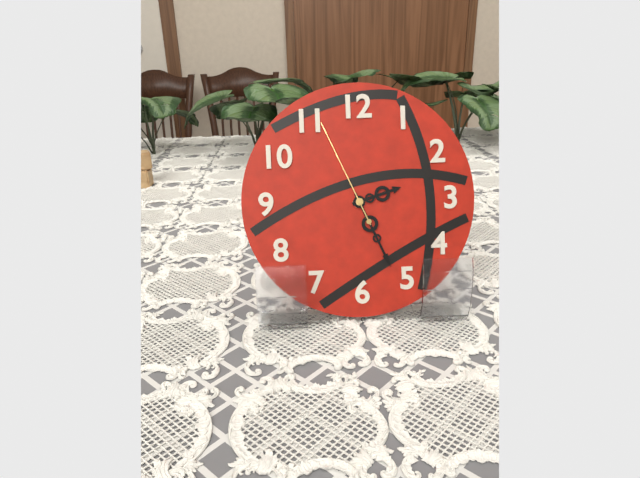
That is 2.26.56
